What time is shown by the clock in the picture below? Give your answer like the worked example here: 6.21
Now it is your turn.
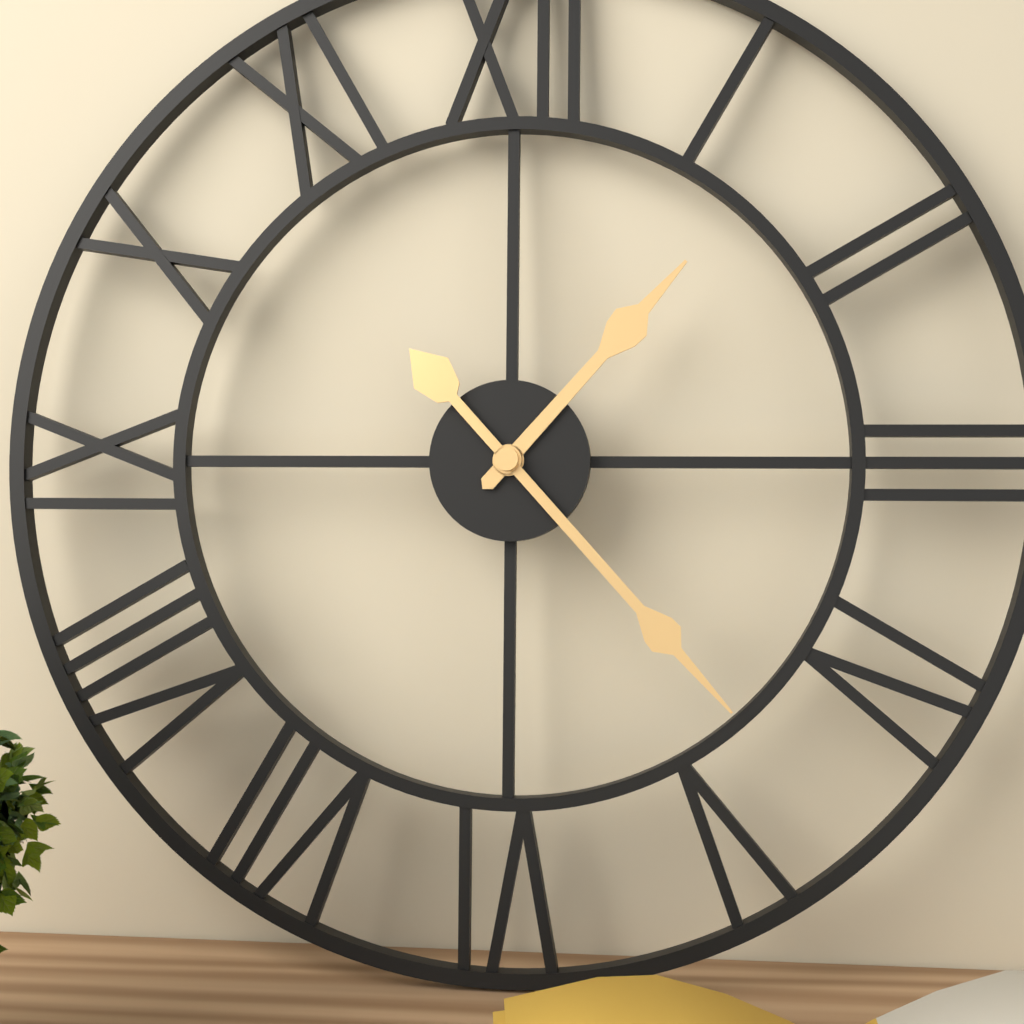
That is 1.23
